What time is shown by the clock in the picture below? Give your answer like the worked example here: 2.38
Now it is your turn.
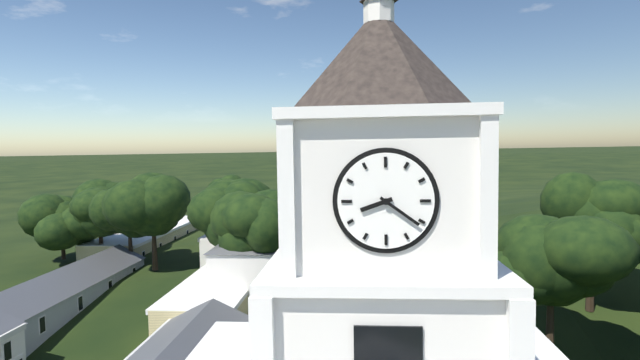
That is 8.21
